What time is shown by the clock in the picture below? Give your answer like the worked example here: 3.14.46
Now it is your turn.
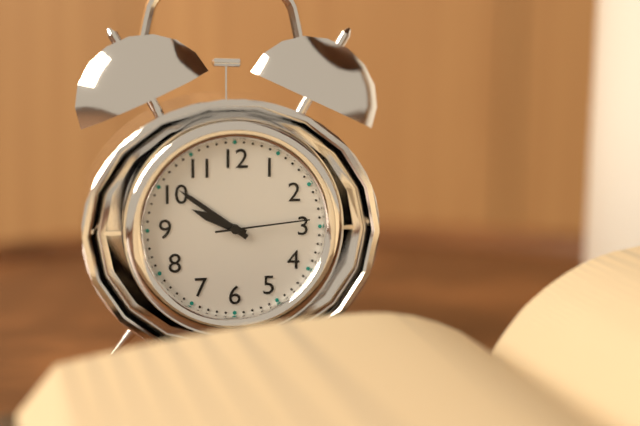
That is 9.51.14
